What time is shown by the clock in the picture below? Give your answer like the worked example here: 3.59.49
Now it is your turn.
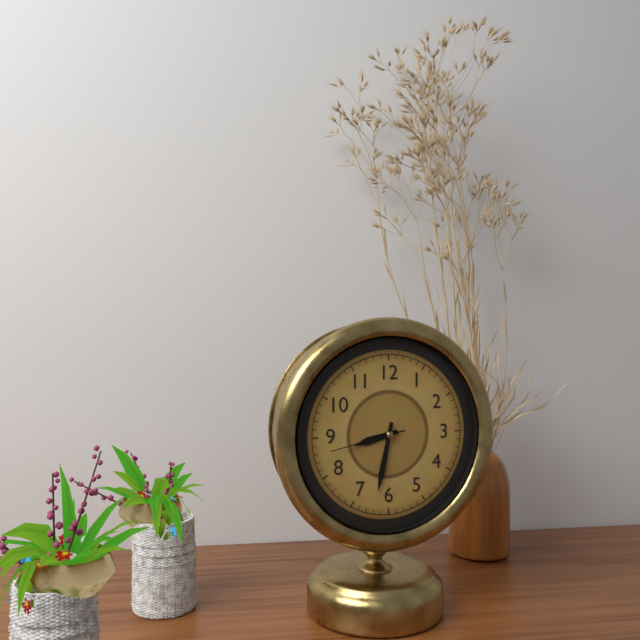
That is 8.32.43
